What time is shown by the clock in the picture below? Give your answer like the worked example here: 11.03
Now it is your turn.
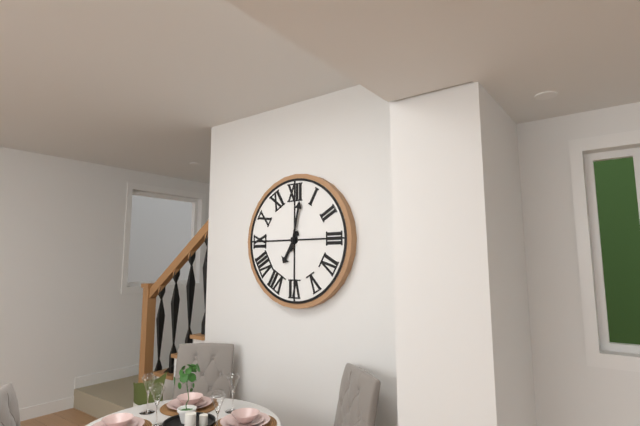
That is 7.02
